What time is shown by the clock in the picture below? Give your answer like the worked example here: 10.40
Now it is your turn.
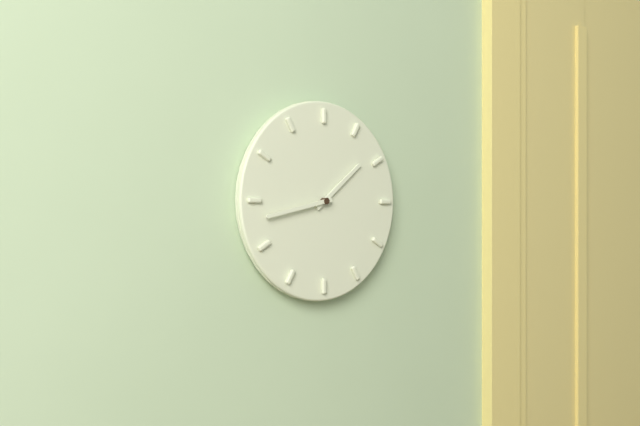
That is 1.43
